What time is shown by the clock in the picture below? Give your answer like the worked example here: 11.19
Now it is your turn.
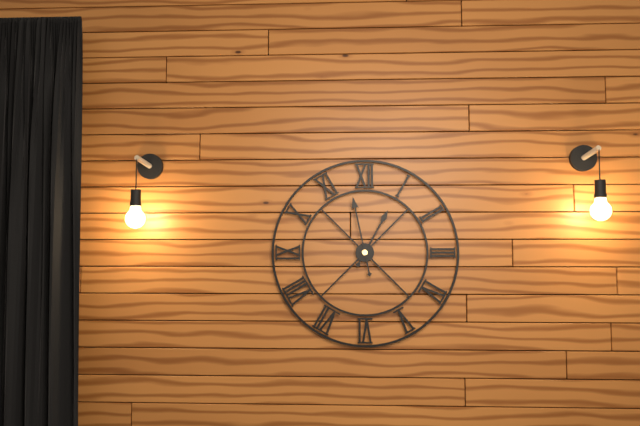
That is 12.58
